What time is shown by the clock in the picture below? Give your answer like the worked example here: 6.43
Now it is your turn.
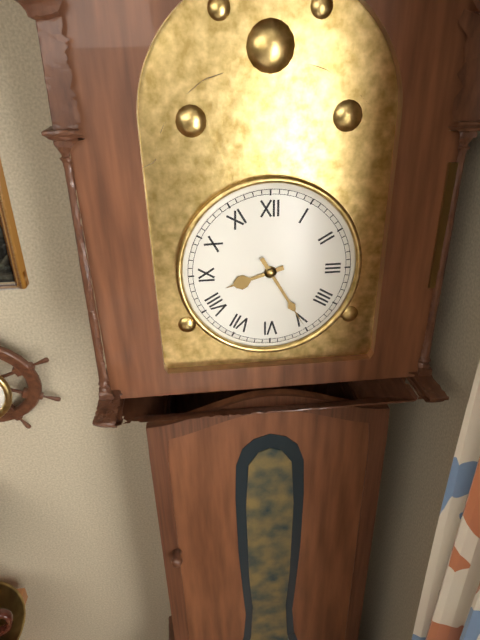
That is 8.25
